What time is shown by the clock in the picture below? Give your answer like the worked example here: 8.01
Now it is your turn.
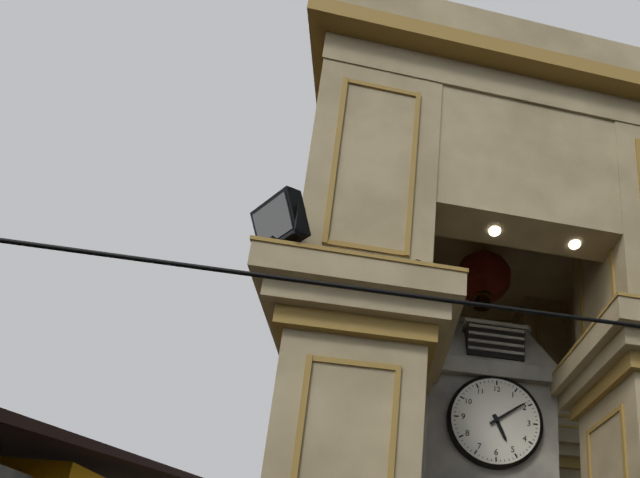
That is 5.09
